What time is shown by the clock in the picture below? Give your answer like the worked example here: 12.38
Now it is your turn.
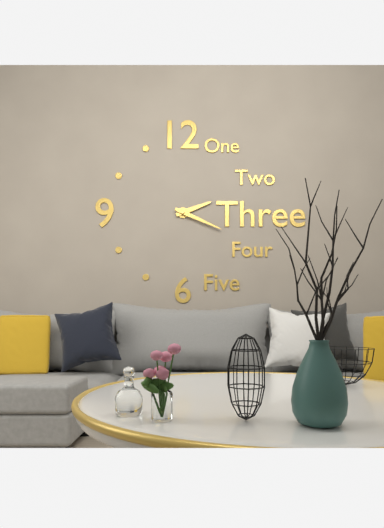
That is 2.19
